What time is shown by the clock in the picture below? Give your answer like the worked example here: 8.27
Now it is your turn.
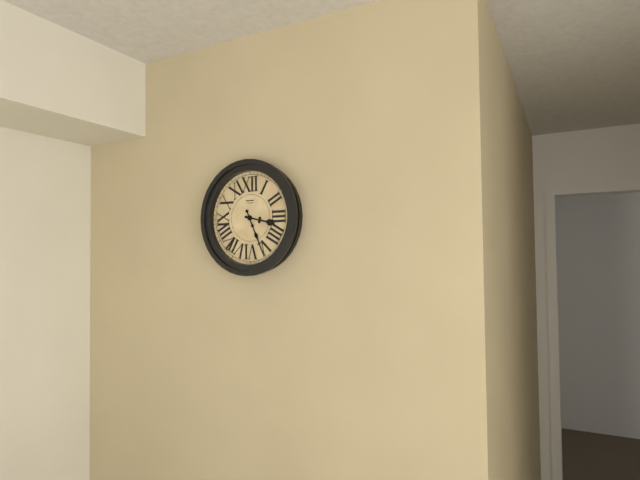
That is 3.26
